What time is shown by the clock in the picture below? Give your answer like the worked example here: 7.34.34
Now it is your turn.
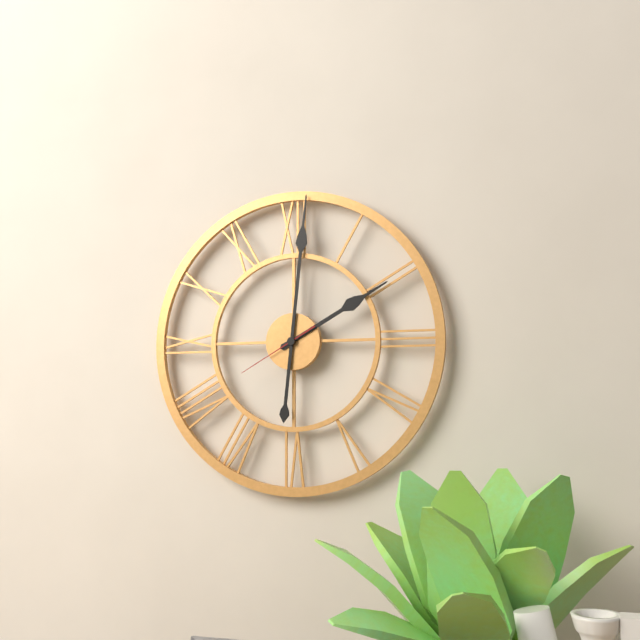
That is 2.01.40
